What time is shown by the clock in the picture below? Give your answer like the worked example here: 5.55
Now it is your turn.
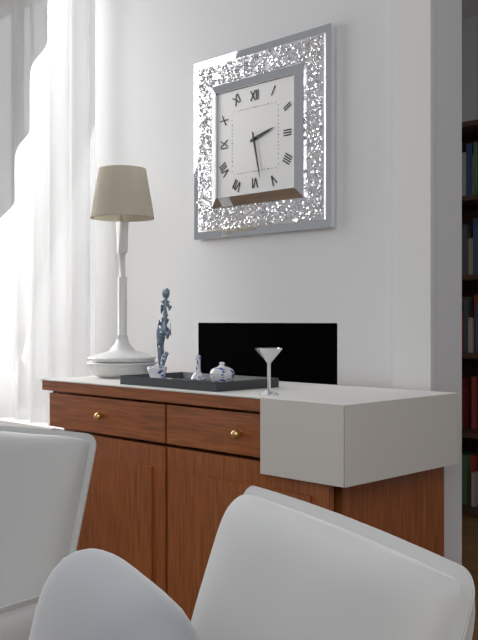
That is 2.28
